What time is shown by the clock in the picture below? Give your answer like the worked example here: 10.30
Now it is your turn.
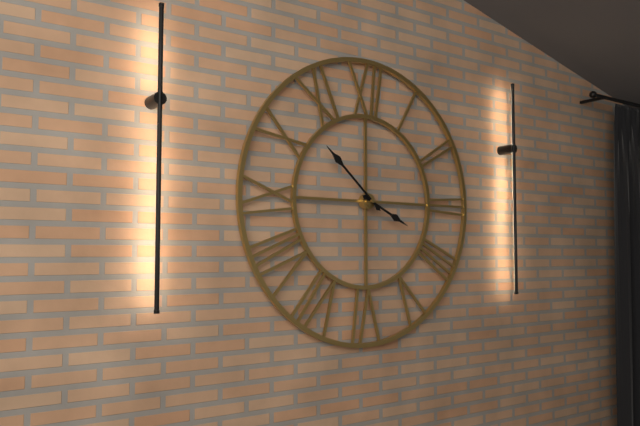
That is 3.52
